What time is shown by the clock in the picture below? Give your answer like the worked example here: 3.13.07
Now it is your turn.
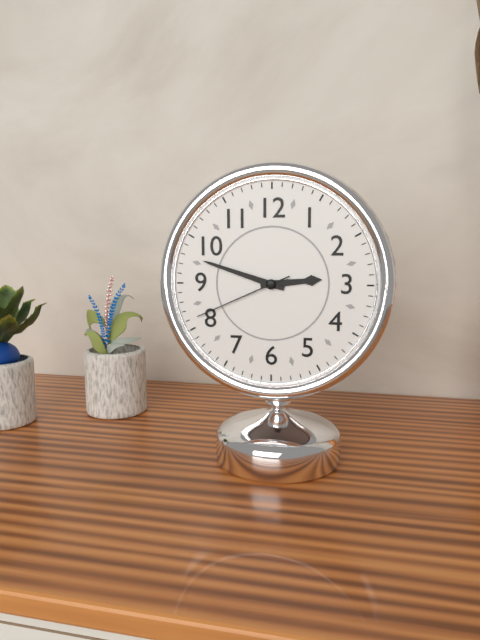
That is 2.48.41
